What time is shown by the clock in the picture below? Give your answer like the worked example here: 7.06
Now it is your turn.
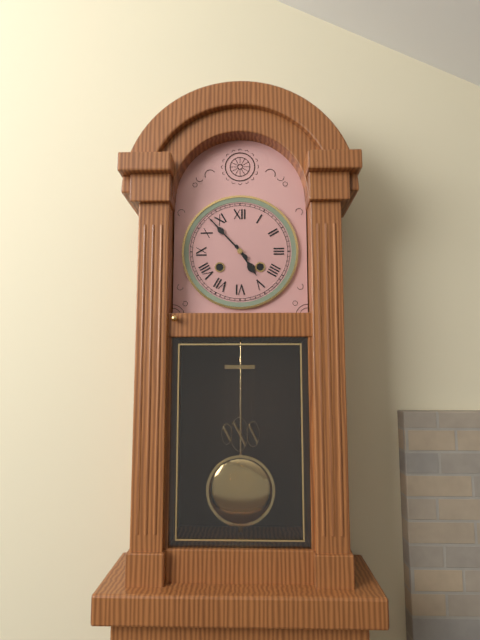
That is 4.53
